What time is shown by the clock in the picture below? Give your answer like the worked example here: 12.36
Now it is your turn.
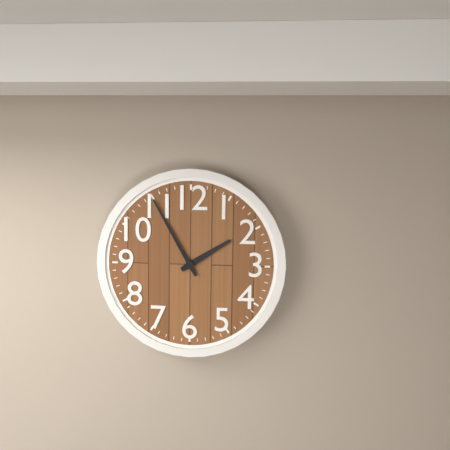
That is 1.55
